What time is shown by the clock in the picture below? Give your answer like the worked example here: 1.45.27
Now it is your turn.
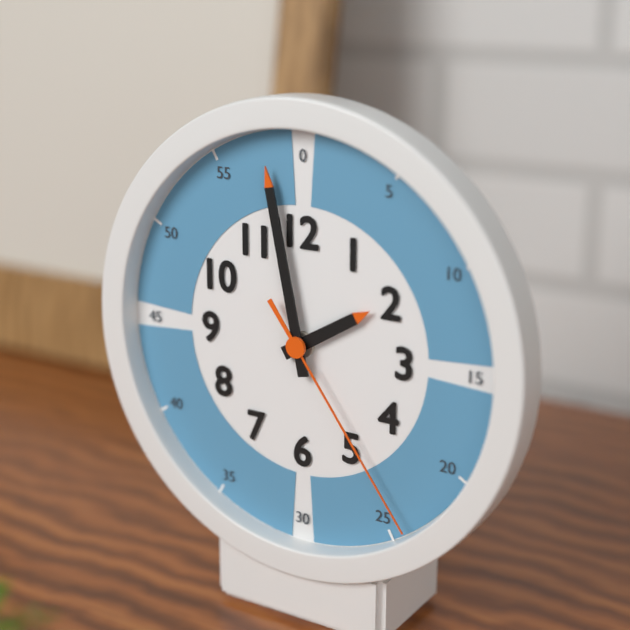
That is 1.58.24
